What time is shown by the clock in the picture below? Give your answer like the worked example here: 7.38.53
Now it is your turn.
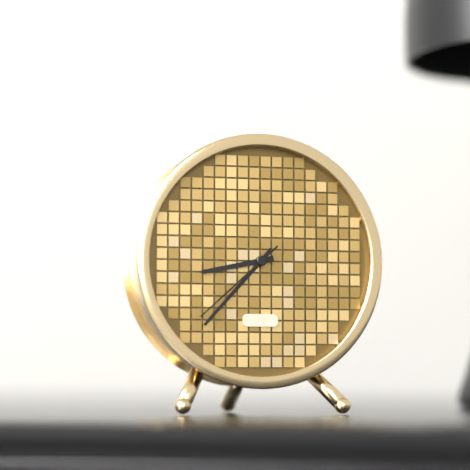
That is 8.37.38
